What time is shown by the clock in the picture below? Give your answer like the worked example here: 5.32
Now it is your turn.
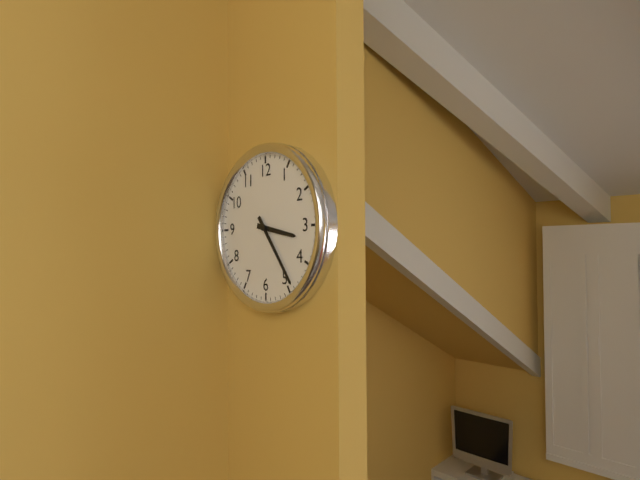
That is 3.24
